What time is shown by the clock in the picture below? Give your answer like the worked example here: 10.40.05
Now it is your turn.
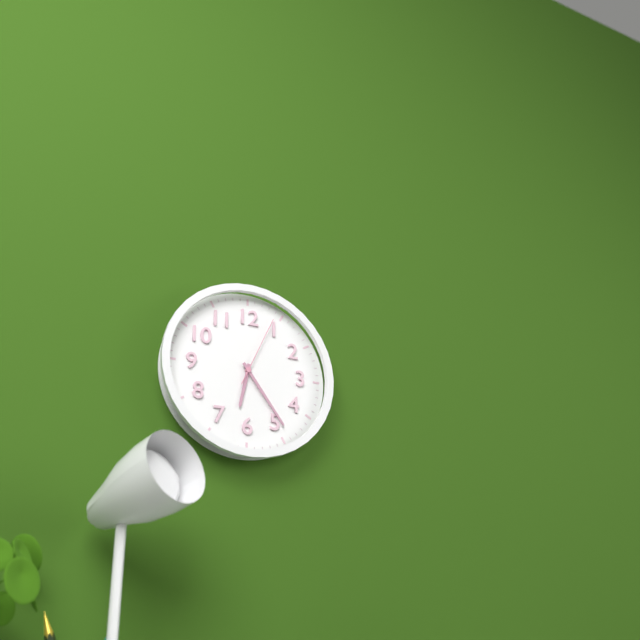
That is 6.24.04
